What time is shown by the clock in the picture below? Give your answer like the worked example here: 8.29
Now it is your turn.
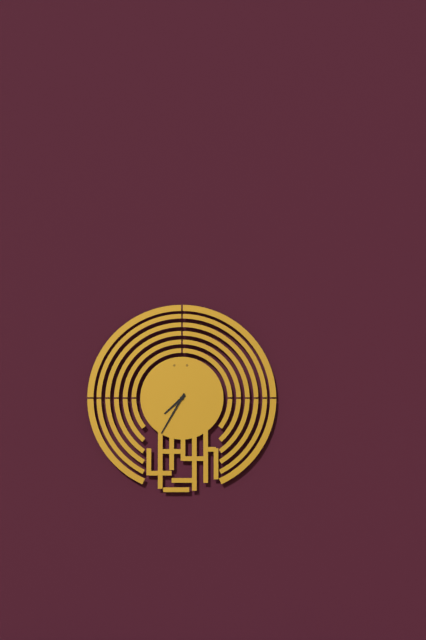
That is 7.35
